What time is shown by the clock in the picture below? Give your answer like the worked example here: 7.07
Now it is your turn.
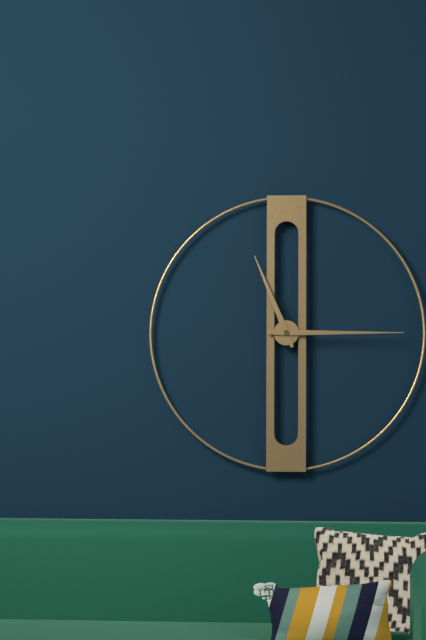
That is 11.15
